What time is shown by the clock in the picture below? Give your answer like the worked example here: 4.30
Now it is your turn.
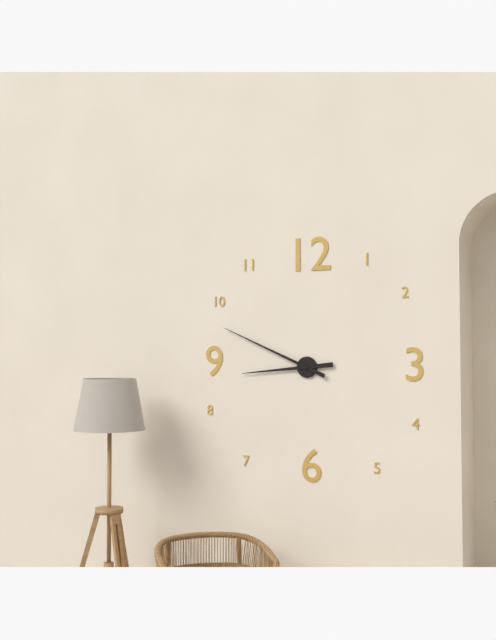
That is 8.49
